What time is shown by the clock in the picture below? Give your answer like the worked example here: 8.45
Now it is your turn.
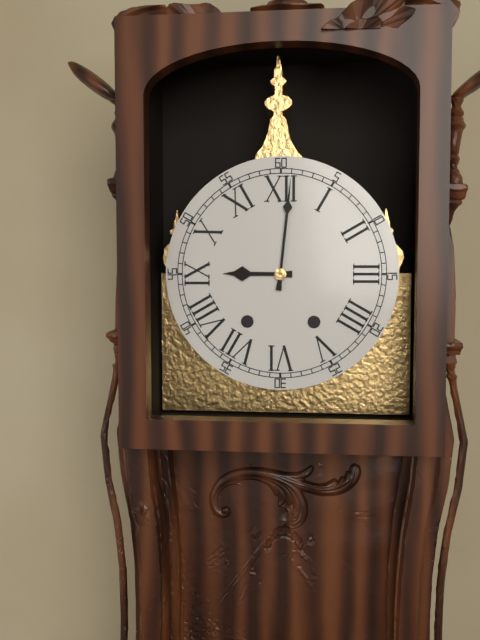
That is 9.01
